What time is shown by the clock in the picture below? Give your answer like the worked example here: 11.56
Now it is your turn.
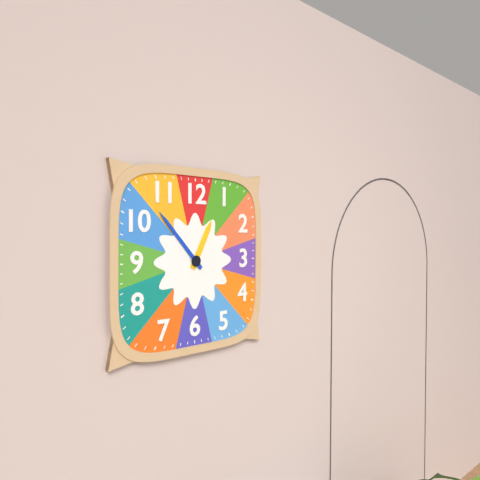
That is 12.53
